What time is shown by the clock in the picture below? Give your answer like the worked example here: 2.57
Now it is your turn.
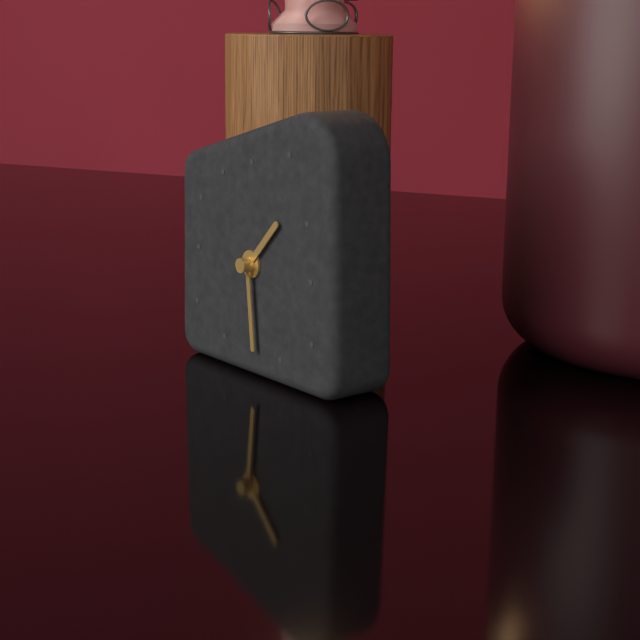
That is 1.29
